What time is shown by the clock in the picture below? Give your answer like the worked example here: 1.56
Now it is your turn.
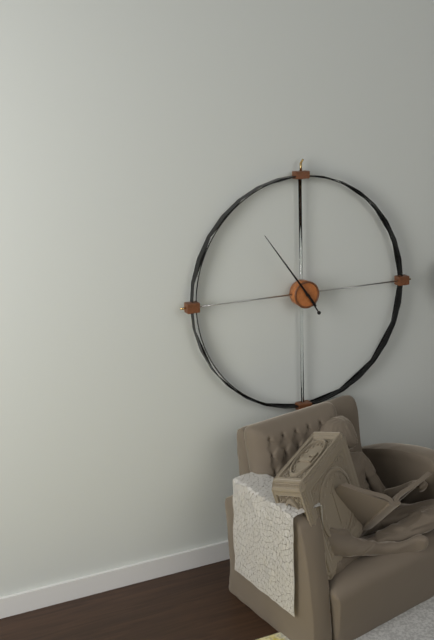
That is 4.54
